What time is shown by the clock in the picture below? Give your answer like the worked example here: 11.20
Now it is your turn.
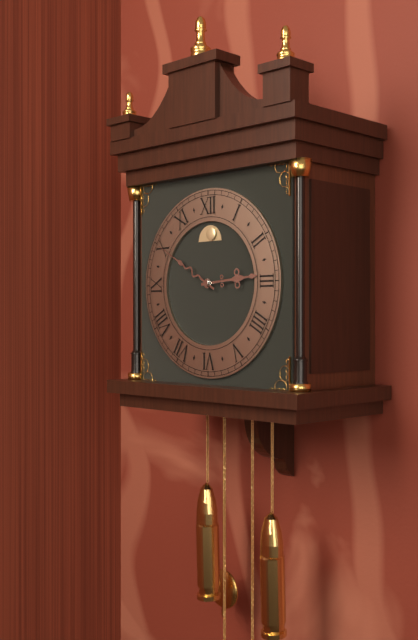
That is 2.50
